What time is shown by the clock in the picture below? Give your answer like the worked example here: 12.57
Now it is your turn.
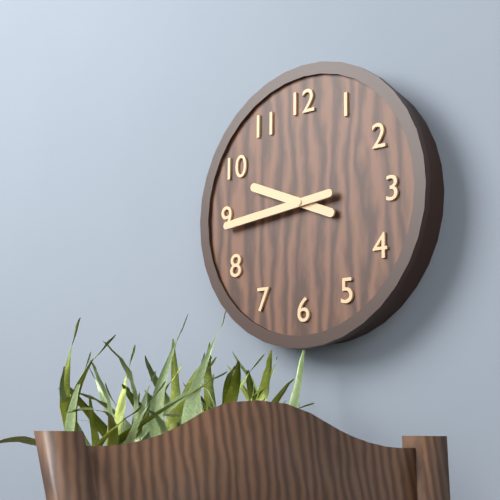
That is 9.44
